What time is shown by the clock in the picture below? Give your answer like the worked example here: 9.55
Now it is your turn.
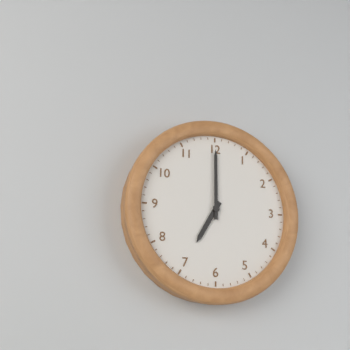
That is 7.00
